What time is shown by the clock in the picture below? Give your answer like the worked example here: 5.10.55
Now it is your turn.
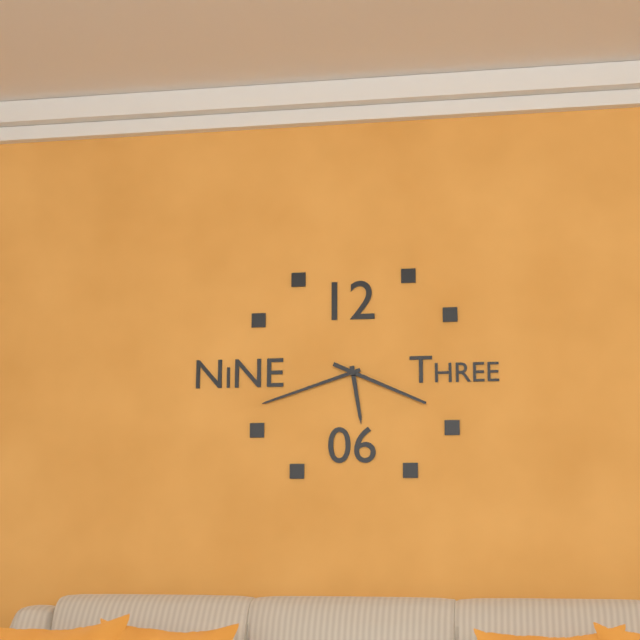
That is 5.42.19
